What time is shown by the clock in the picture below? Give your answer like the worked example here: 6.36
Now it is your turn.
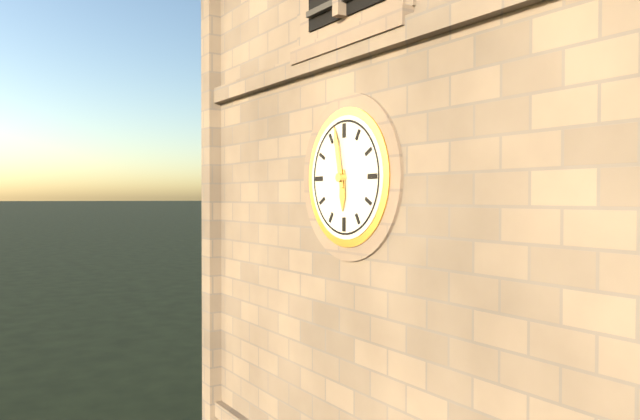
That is 5.58
